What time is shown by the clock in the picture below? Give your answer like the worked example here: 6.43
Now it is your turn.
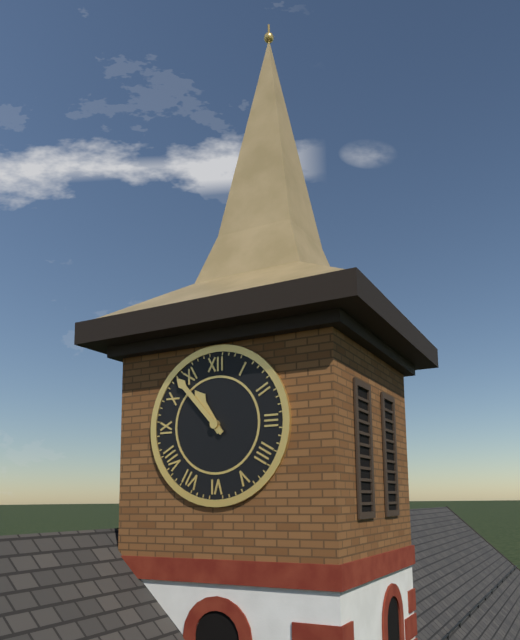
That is 10.53
